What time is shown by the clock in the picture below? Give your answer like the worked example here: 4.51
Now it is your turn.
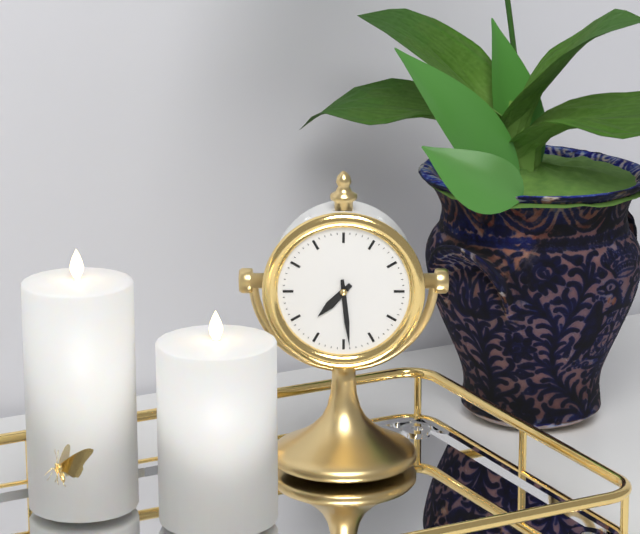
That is 7.29
